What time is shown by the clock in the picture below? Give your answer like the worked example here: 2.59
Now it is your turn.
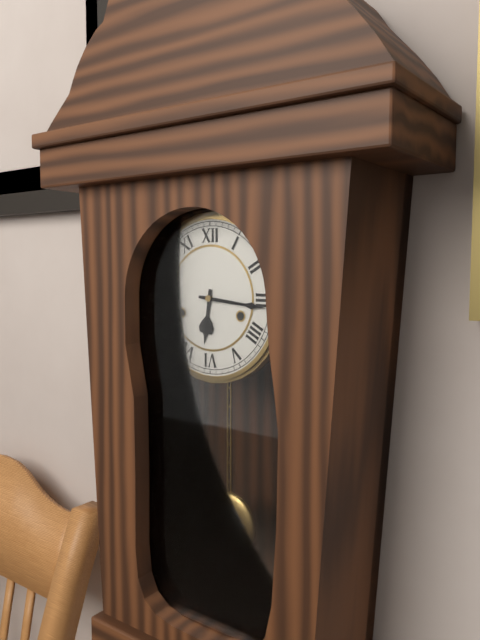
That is 6.16
